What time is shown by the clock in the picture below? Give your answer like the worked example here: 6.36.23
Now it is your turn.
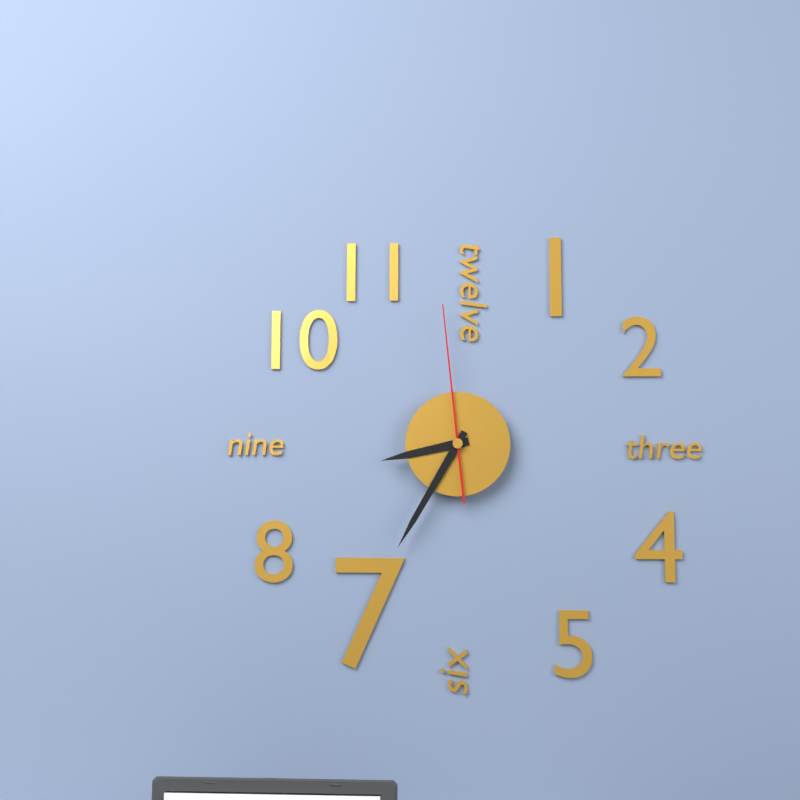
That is 8.35.59
